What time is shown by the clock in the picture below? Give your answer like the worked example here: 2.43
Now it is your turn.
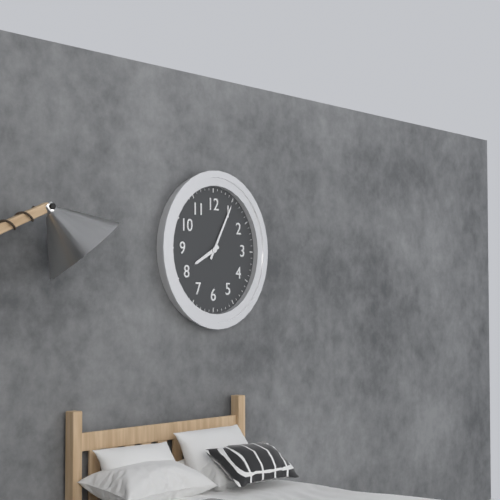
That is 8.05
